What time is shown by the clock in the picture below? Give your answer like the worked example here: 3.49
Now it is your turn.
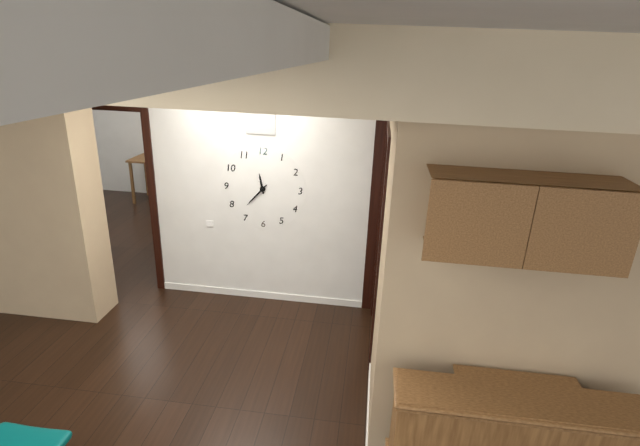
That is 11.37
